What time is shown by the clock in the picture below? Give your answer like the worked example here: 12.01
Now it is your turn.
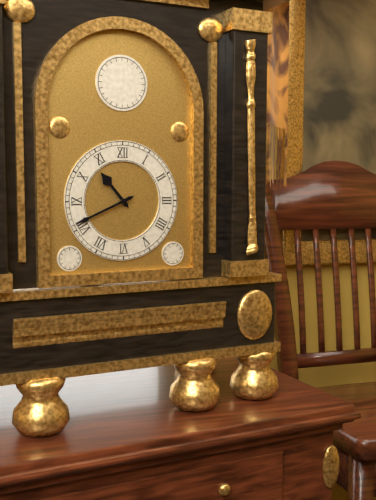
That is 10.41
